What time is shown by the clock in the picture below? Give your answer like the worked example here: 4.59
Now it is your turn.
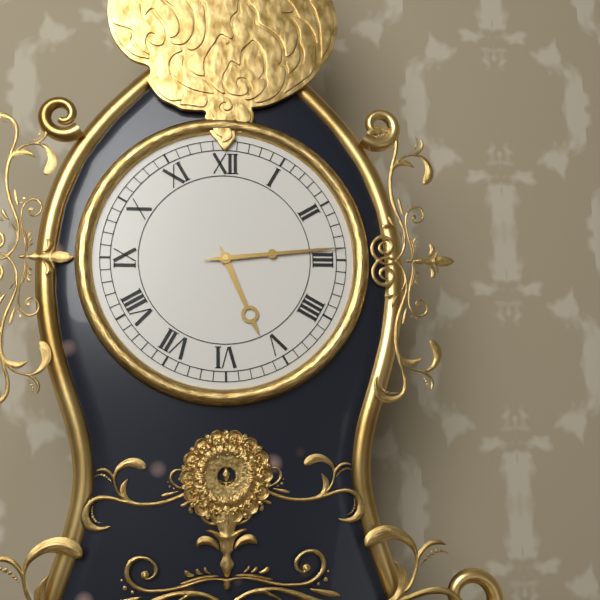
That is 5.14
